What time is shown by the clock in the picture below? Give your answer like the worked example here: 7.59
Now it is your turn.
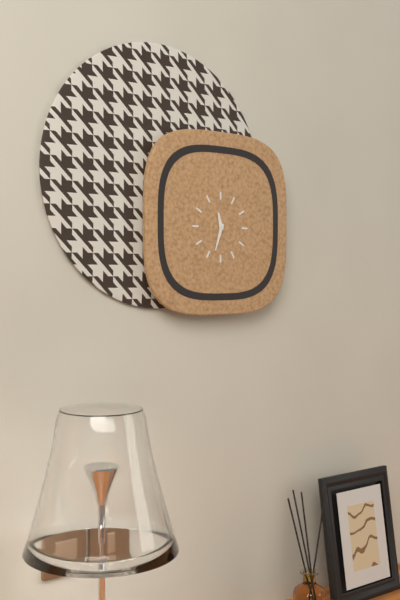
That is 11.33
